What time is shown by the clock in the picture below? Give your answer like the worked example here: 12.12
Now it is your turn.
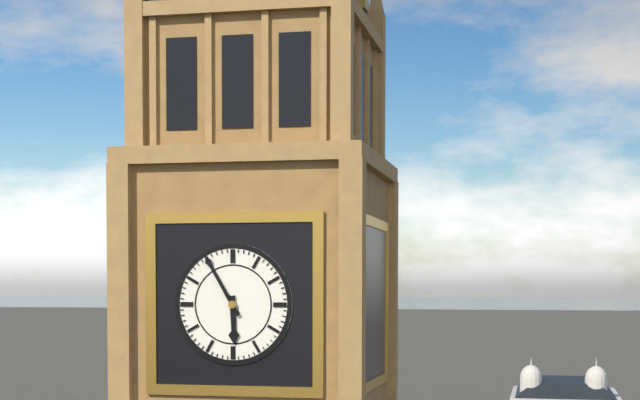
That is 5.55
